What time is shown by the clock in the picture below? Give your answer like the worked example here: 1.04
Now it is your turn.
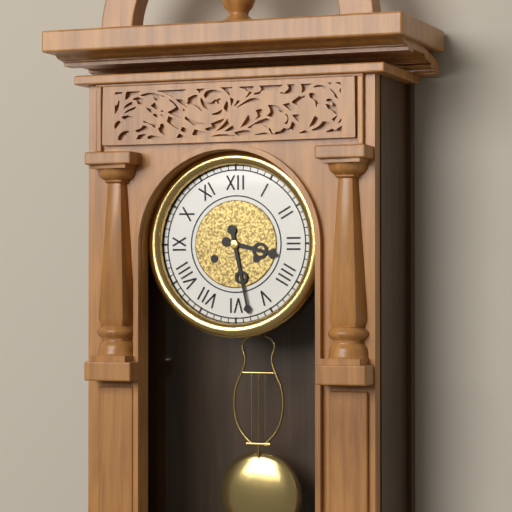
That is 3.28
